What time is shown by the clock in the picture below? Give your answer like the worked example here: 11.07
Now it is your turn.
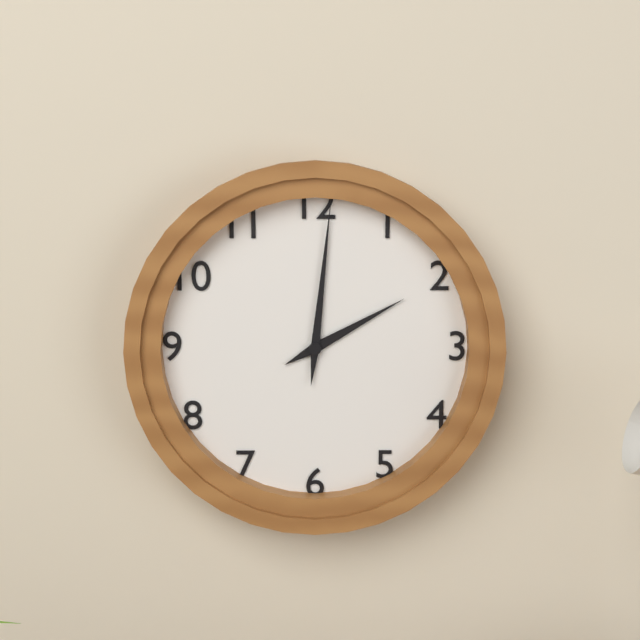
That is 2.01
